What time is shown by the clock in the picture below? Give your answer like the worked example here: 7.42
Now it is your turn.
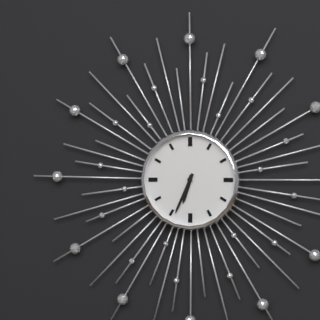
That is 6.34
